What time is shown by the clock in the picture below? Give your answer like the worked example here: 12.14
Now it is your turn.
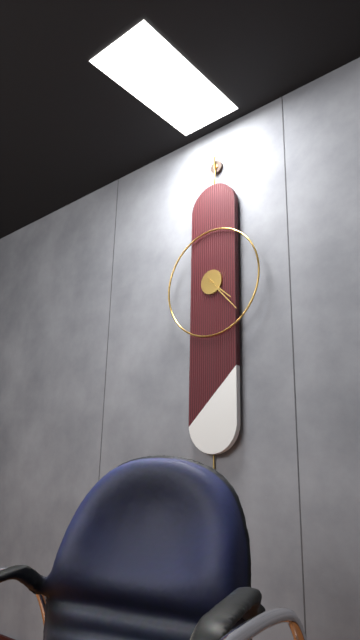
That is 4.23
